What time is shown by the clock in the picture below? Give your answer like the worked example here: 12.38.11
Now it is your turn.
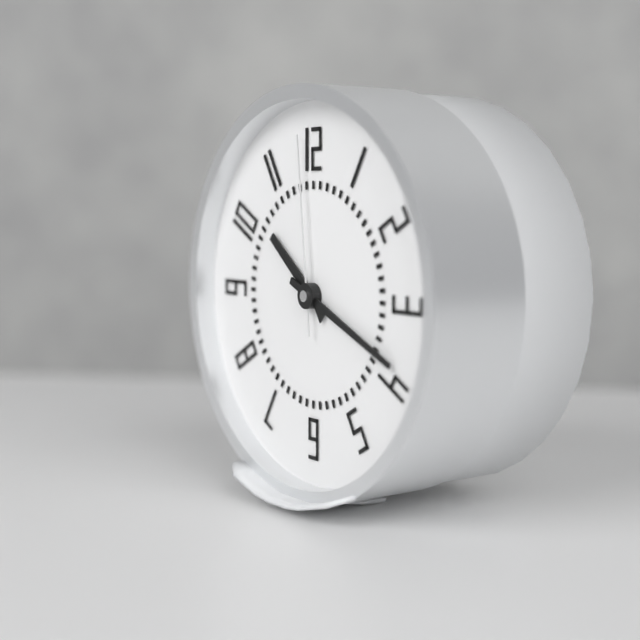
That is 10.19.59
